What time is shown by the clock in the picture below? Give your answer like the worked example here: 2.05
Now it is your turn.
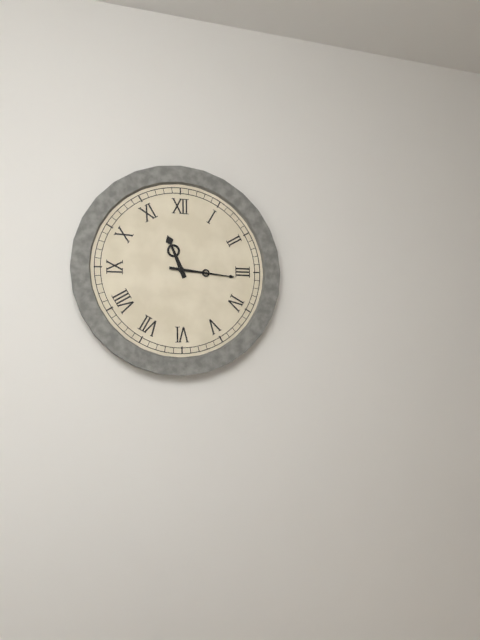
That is 11.16
